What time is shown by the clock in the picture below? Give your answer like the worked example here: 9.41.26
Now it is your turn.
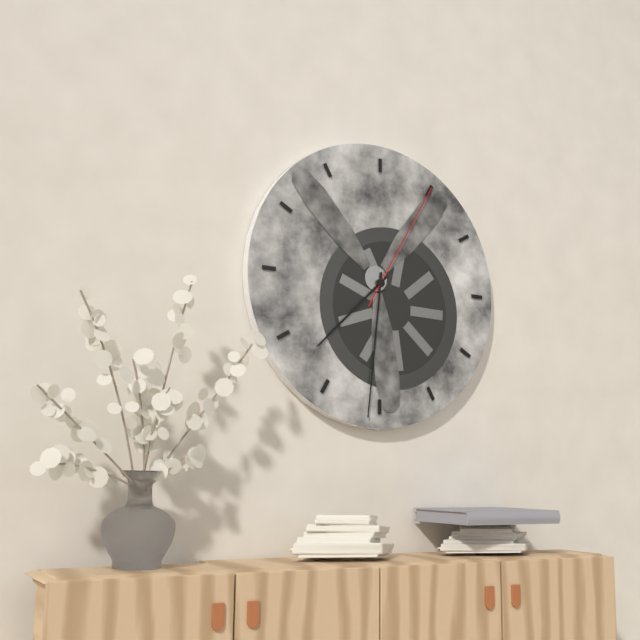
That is 7.31.05
